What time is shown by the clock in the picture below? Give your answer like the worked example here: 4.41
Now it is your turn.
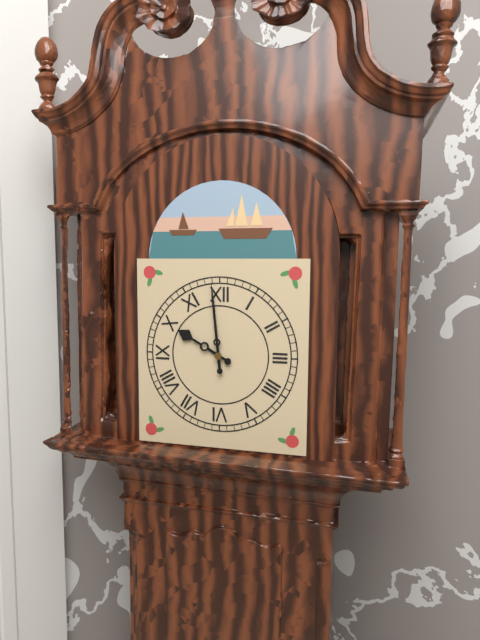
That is 9.59
